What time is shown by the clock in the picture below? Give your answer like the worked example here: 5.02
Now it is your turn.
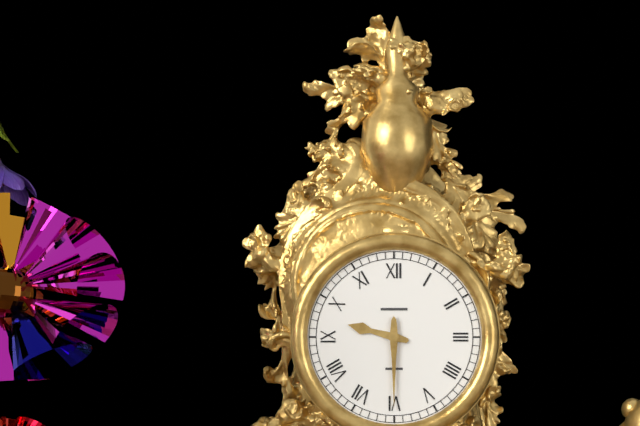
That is 9.30
